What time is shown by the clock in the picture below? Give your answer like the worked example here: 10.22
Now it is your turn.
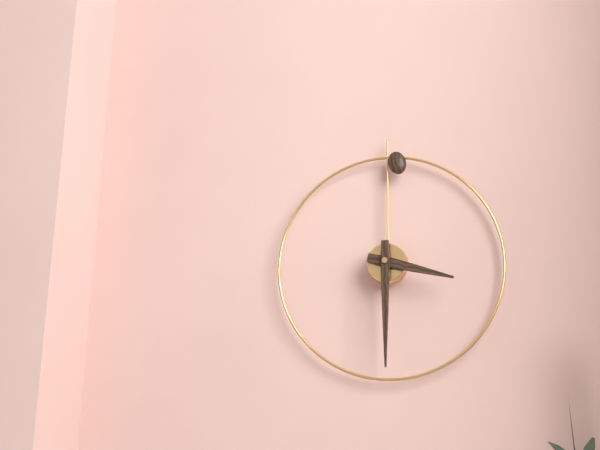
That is 3.30
